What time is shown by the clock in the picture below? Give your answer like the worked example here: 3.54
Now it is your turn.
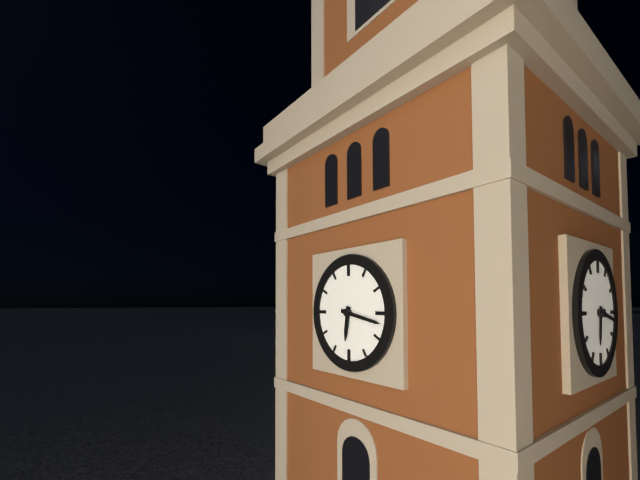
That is 6.17
